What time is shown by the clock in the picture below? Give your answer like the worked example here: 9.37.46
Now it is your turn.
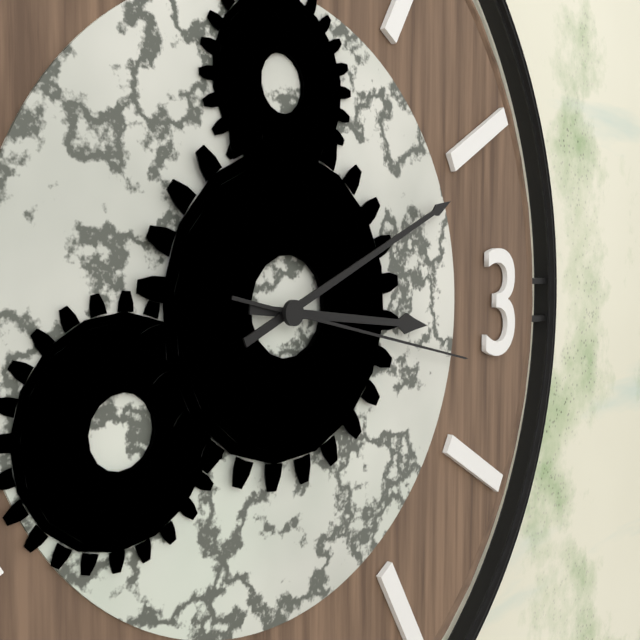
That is 3.11.17
